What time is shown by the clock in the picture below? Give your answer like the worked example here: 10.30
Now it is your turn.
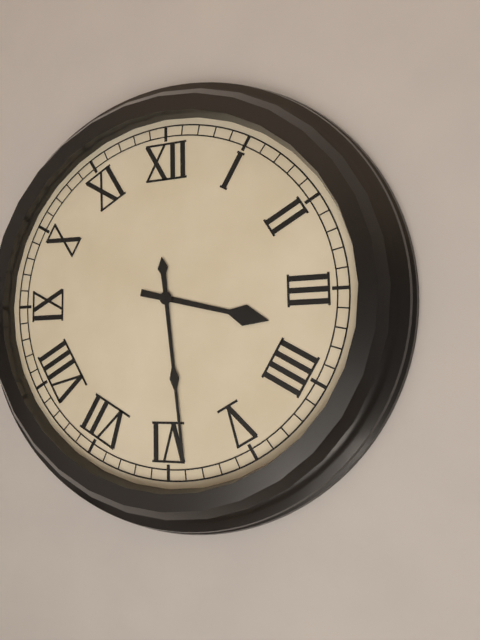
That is 3.29
